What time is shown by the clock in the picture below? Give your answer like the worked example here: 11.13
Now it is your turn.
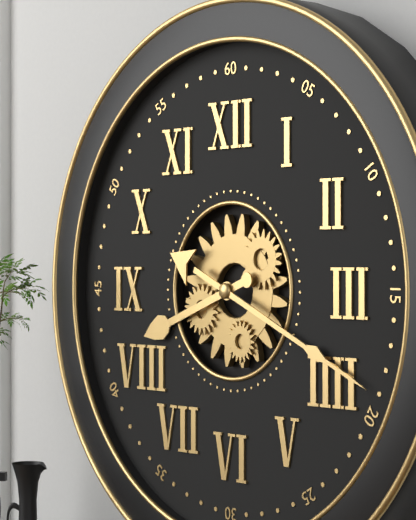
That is 8.19
